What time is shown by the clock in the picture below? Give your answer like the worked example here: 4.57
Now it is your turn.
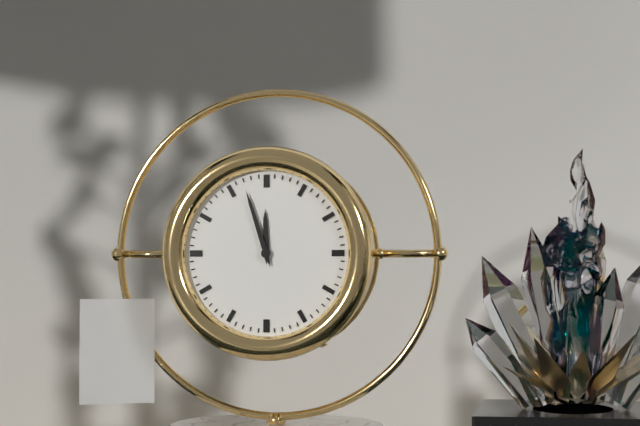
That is 11.57
